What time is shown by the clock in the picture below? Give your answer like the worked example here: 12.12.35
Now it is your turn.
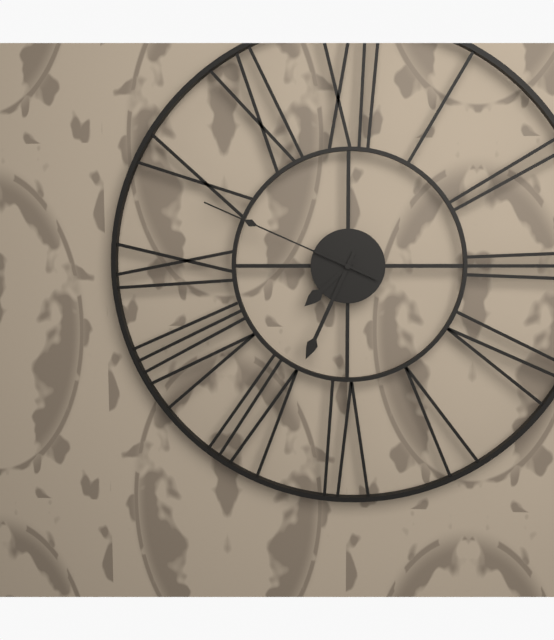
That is 7.34.49
